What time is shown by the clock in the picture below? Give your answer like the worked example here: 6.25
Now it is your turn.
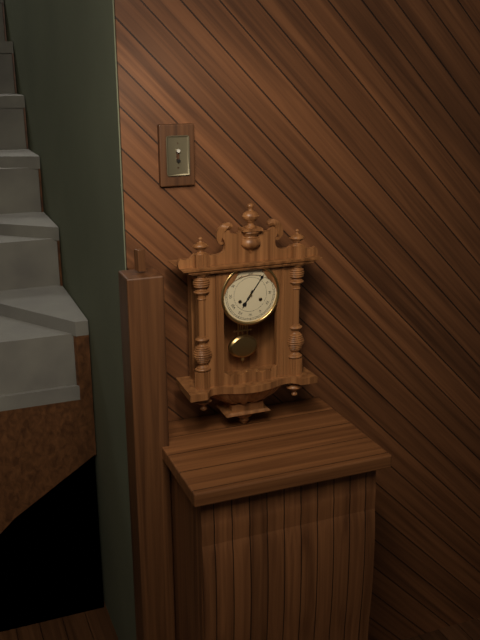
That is 7.06
